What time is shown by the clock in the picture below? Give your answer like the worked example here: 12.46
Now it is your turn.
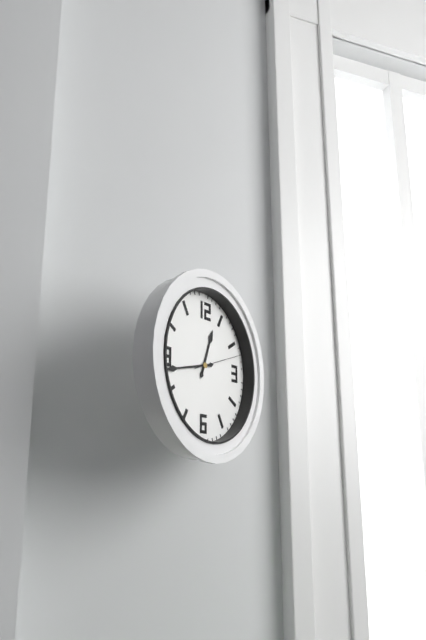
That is 12.43
